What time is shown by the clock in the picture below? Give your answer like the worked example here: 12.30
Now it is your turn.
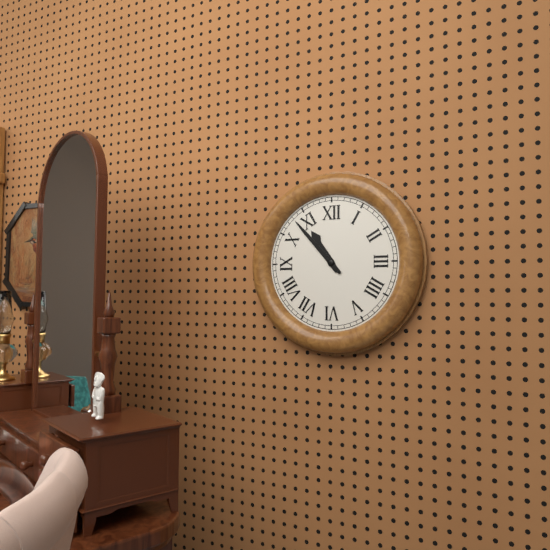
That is 10.53
